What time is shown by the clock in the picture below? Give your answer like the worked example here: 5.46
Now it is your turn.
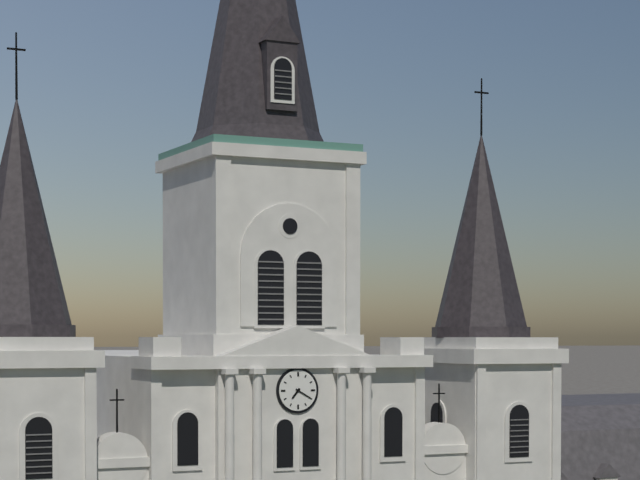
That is 7.20
